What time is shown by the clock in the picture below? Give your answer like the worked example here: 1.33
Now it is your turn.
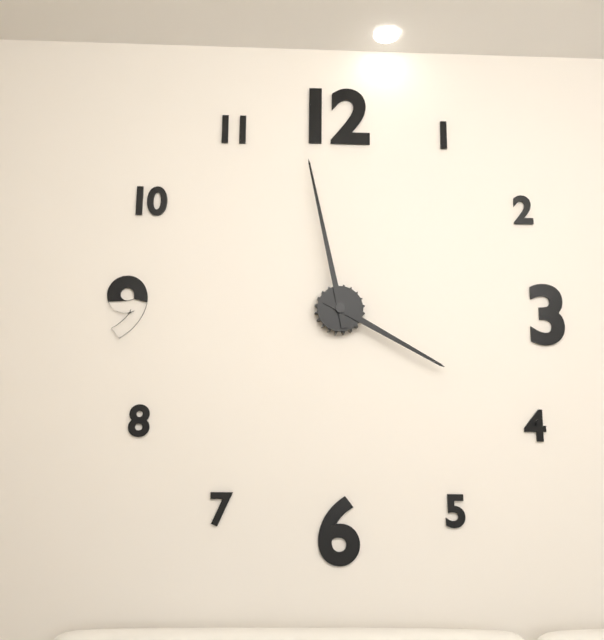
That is 3.58
